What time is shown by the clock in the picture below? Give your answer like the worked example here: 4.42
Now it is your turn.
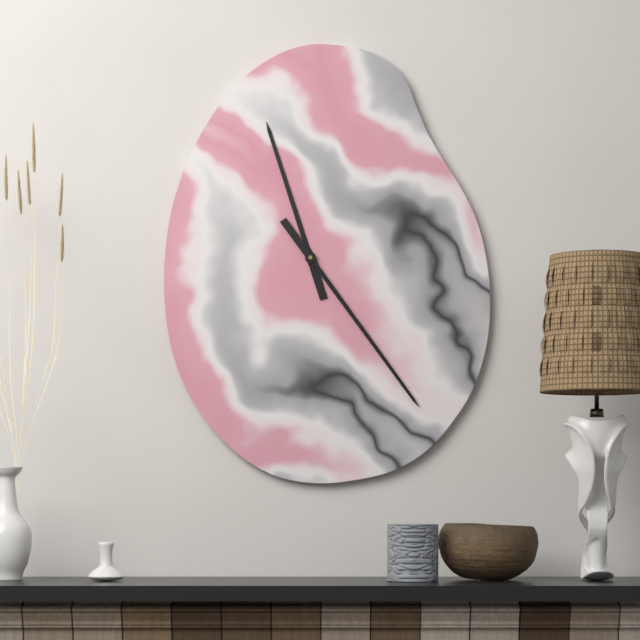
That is 11.24
